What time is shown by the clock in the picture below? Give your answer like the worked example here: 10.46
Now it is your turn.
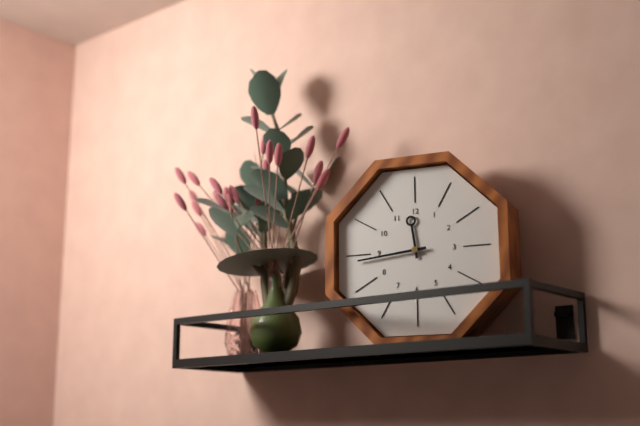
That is 11.44
